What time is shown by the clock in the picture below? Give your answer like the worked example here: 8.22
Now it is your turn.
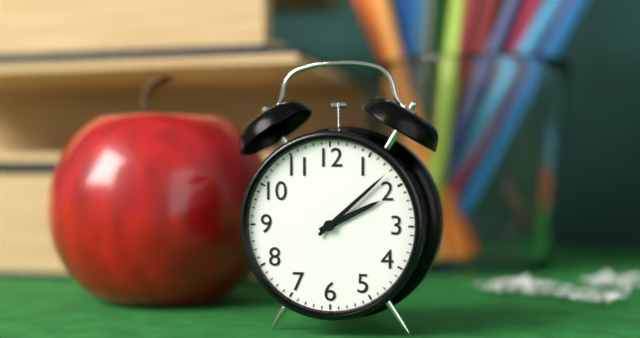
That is 2.08
